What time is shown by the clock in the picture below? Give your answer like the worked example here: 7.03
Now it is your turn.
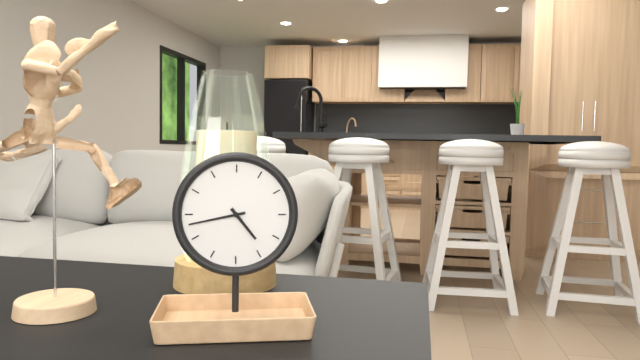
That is 4.43
